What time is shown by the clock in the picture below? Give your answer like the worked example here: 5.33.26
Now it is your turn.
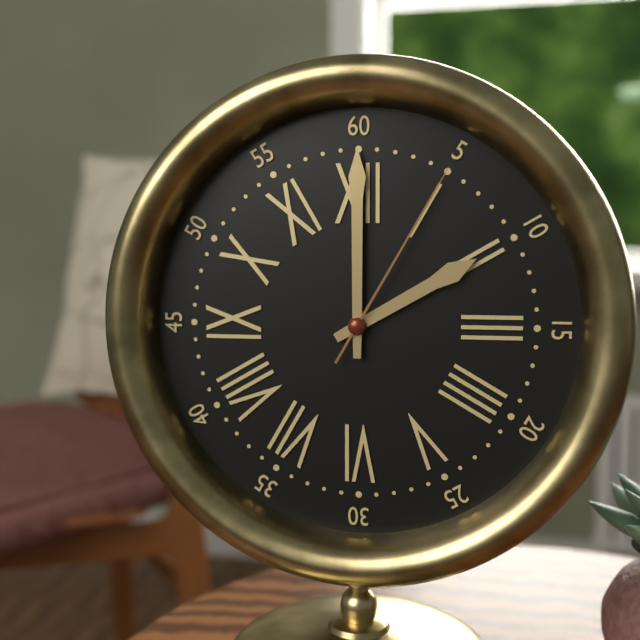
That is 2.00.05
